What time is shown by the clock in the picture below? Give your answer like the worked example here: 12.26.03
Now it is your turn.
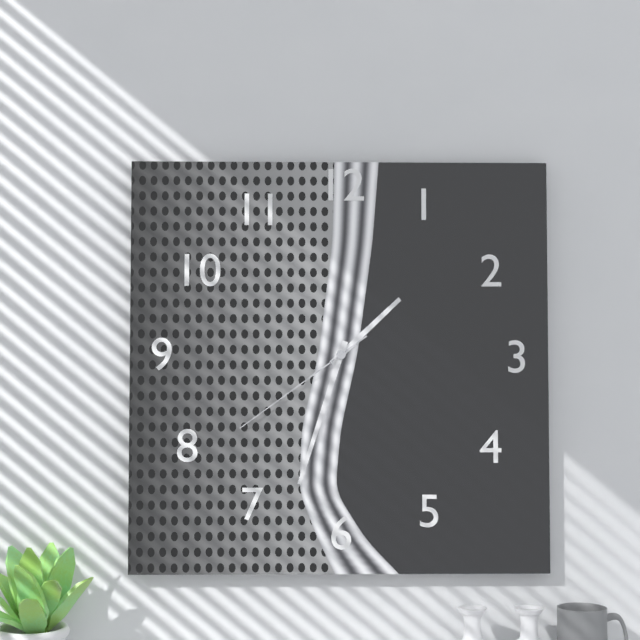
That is 1.33.39
